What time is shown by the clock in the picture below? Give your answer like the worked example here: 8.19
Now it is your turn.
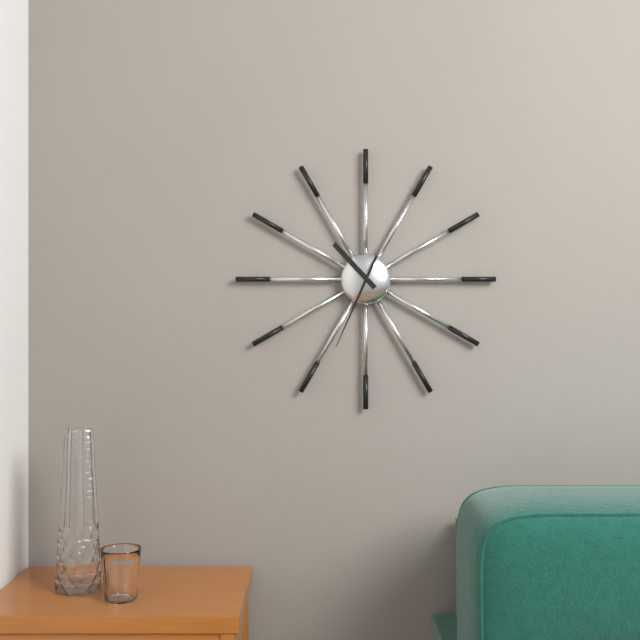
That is 10.34
